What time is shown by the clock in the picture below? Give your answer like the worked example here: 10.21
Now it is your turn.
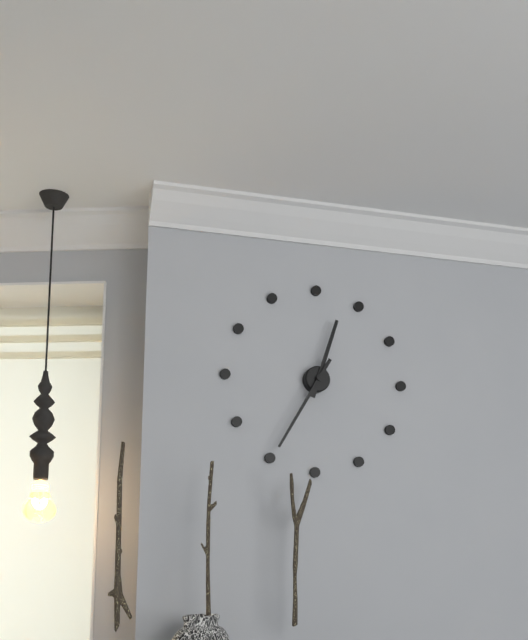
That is 12.35
